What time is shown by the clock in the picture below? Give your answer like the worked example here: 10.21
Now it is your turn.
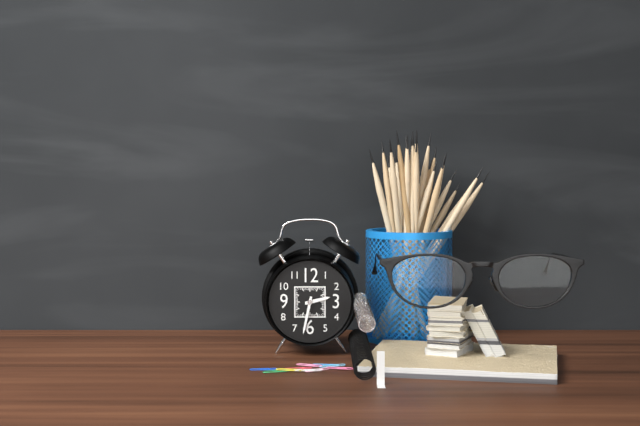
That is 2.32
